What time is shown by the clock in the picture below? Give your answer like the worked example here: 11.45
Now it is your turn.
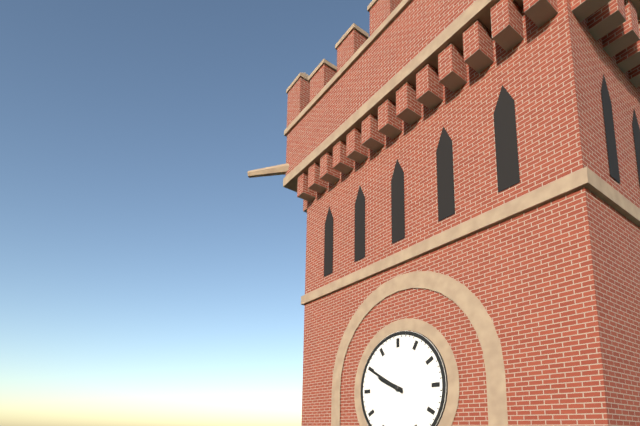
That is 9.50
